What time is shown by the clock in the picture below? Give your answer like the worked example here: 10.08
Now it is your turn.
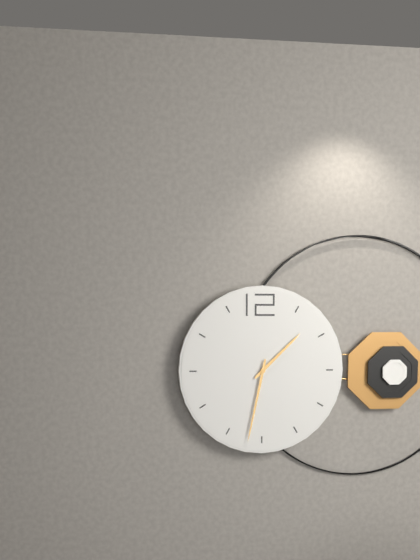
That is 1.32
